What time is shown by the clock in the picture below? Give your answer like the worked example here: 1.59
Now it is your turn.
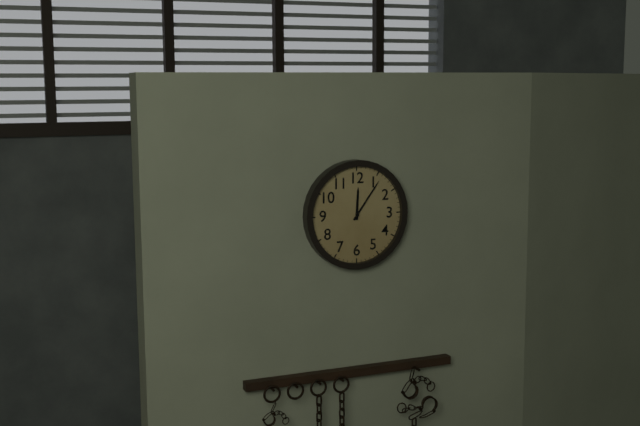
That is 12.06
